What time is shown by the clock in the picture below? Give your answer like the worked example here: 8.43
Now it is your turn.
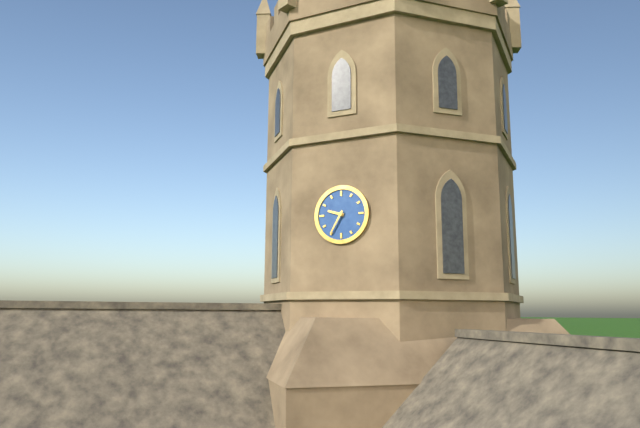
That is 9.35
